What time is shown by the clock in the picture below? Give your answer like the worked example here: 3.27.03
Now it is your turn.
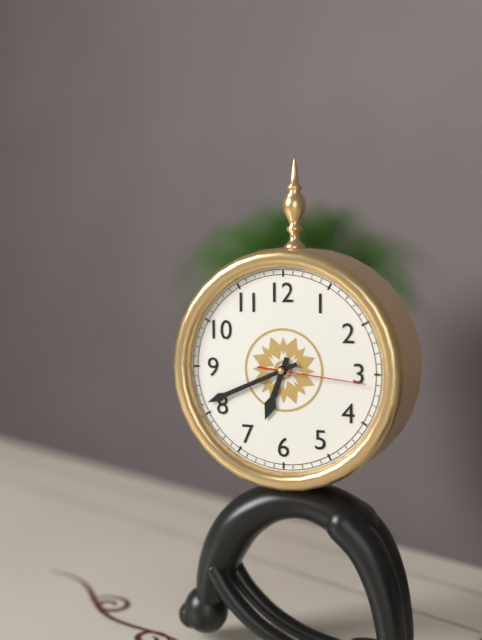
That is 6.41.16
